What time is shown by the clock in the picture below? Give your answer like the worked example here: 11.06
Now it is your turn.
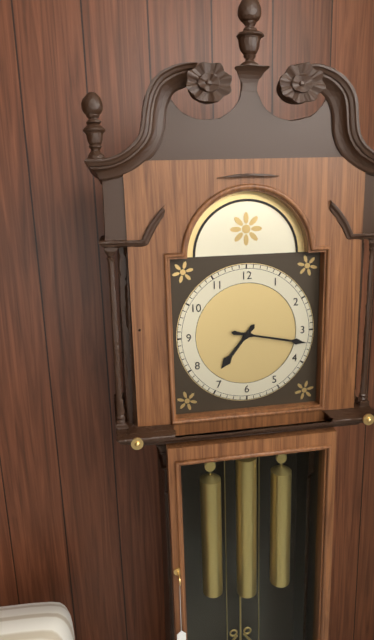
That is 7.17
